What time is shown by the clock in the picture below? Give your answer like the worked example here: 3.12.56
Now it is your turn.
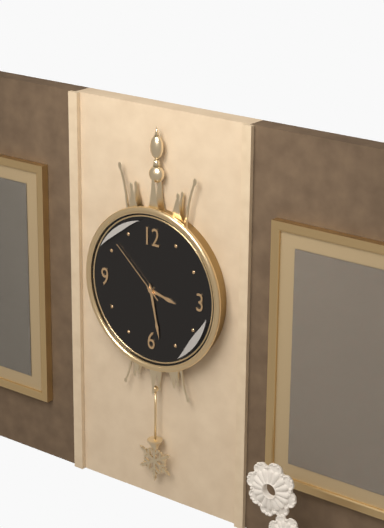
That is 3.28.52
